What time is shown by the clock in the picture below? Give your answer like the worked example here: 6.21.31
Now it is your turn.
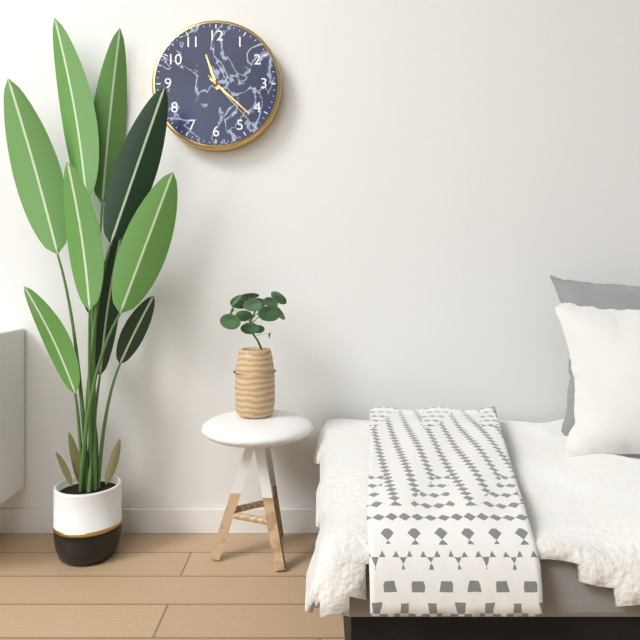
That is 11.22.23
